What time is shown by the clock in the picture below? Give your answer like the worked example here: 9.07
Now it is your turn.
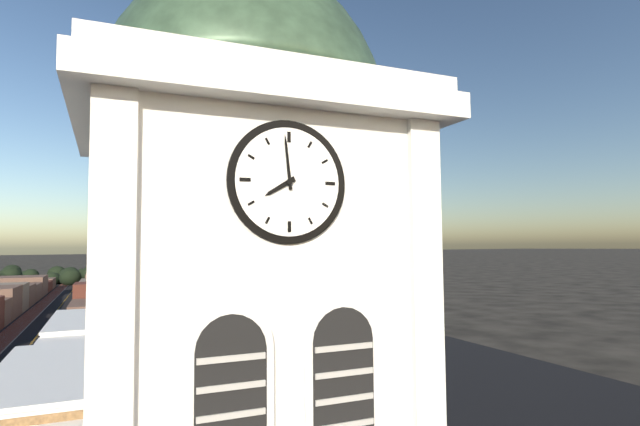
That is 7.59
